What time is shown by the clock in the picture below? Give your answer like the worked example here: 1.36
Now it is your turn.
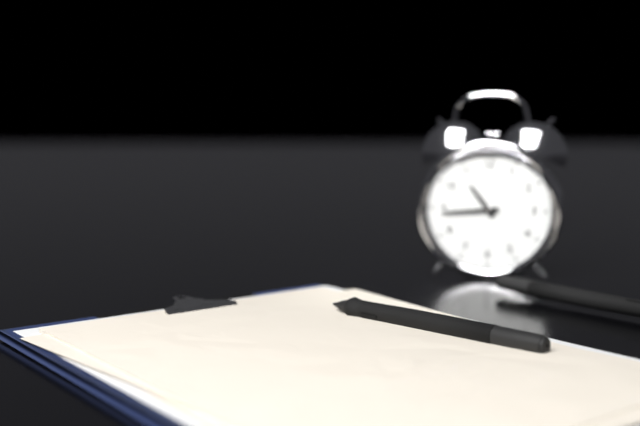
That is 10.44
